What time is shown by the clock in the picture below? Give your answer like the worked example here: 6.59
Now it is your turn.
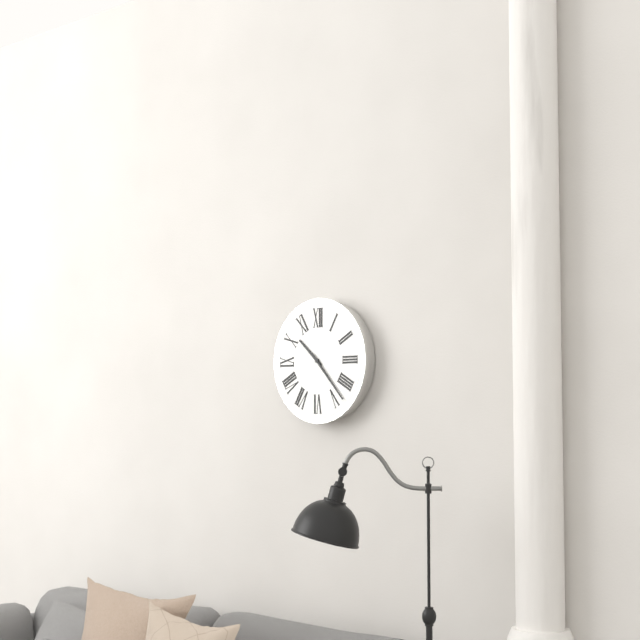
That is 10.23
